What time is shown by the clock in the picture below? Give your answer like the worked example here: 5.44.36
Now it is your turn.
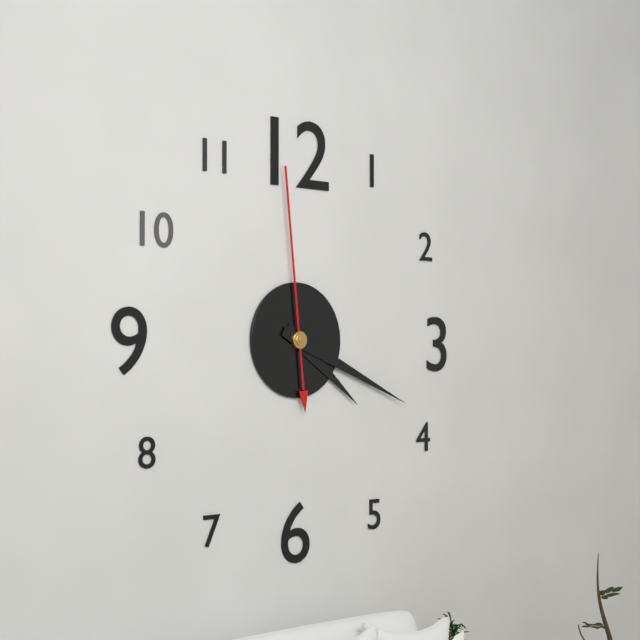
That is 4.19.59
